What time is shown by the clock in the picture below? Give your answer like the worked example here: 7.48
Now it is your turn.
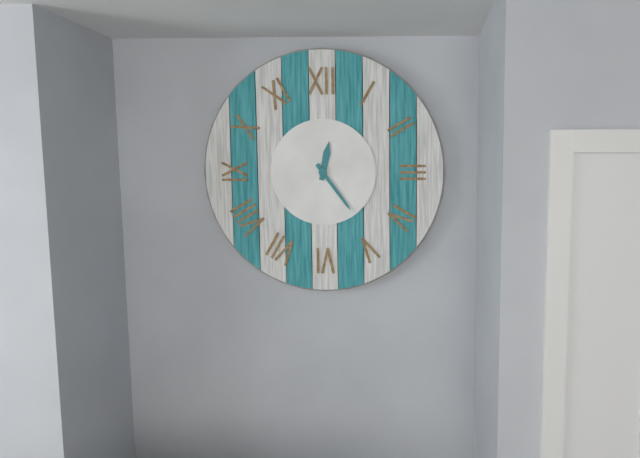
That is 12.24
